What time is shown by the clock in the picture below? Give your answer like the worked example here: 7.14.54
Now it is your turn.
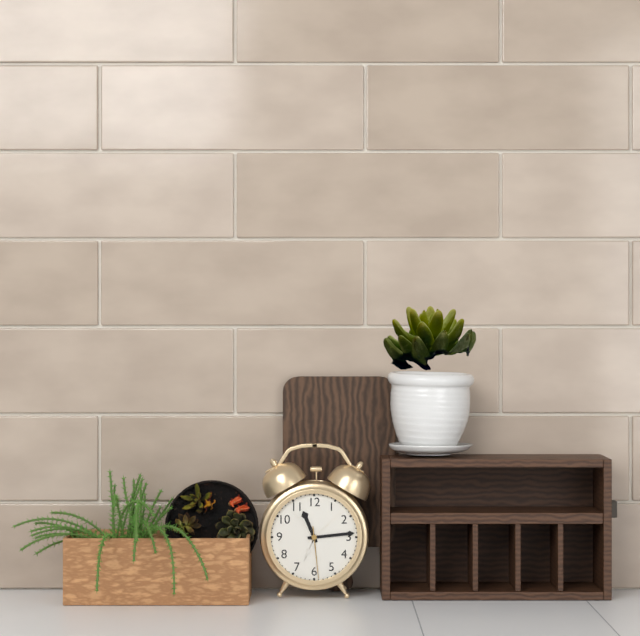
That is 11.14.29
